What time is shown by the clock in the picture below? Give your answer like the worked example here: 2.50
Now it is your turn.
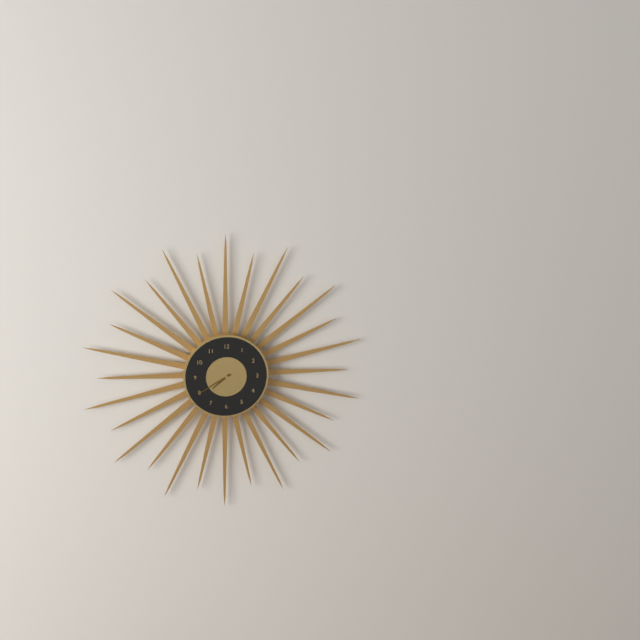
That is 7.40
